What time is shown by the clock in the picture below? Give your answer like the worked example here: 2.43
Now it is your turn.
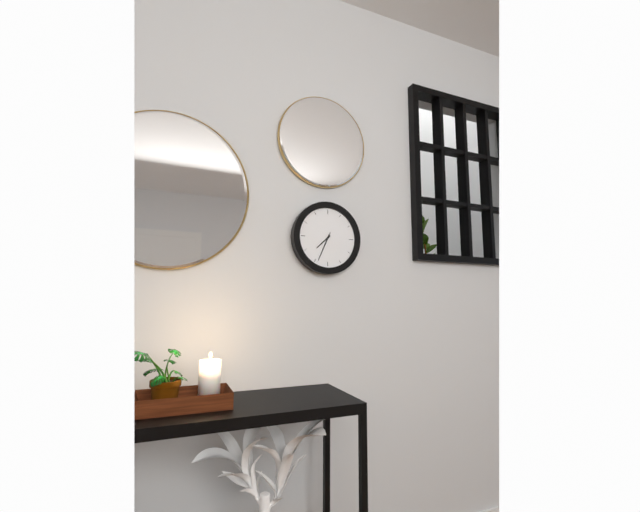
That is 7.34
